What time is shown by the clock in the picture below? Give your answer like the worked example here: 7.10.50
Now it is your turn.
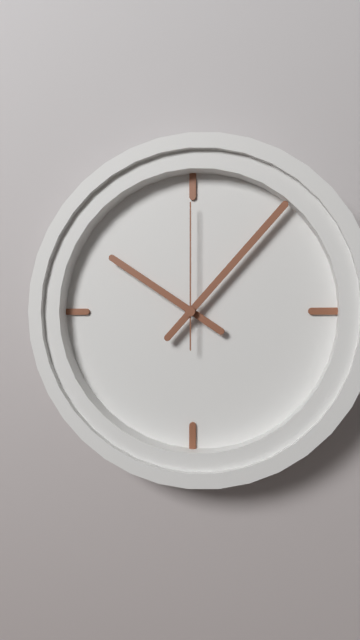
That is 10.07.00
